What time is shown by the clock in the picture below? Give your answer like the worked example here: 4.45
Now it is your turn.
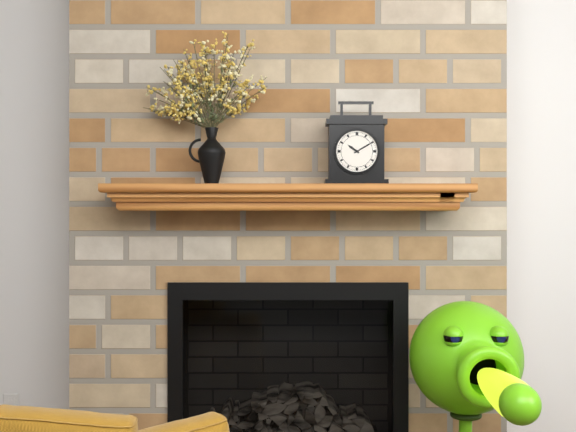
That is 10.10
